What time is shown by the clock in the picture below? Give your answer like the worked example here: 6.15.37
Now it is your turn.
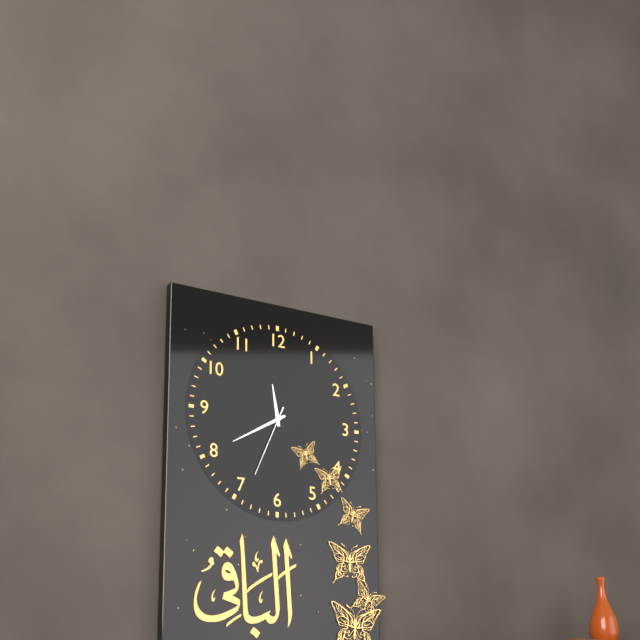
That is 11.40.34
